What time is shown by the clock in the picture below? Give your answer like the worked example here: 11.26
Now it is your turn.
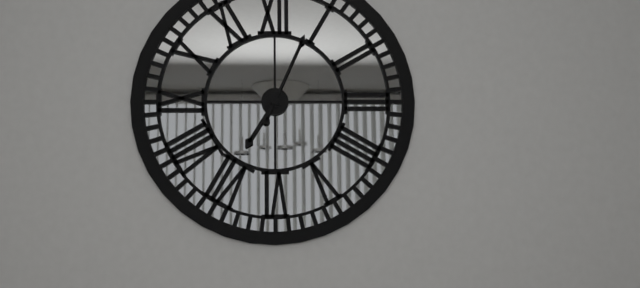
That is 7.04
